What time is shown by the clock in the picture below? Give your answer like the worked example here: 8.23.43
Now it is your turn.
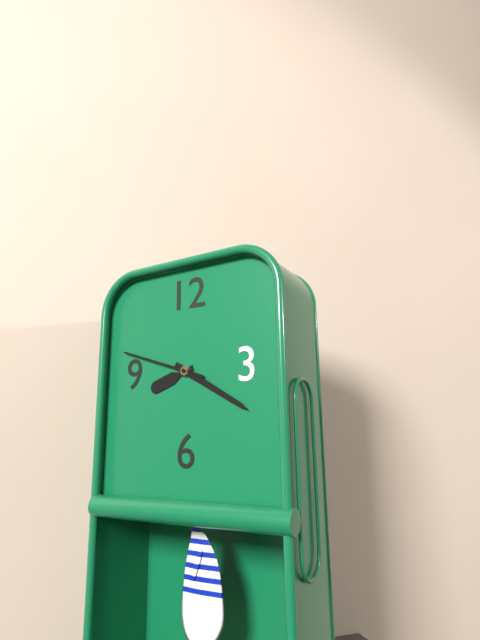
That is 8.20.48
